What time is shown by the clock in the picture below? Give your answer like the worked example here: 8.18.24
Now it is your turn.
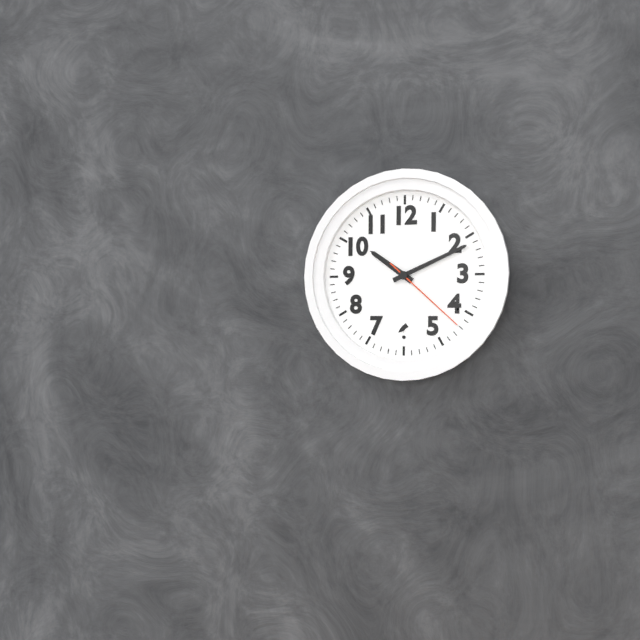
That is 10.11.22
